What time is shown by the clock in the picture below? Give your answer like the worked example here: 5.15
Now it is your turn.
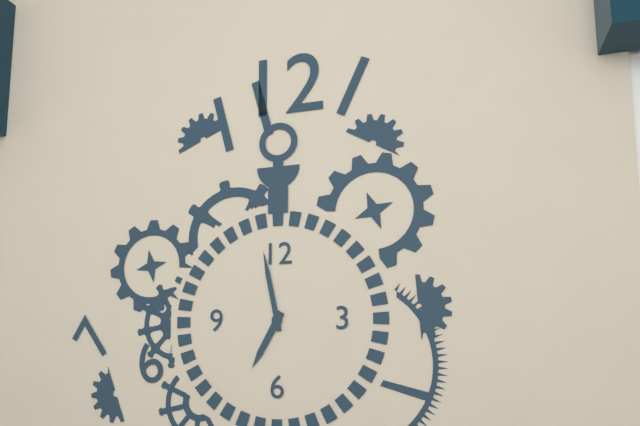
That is 6.58
